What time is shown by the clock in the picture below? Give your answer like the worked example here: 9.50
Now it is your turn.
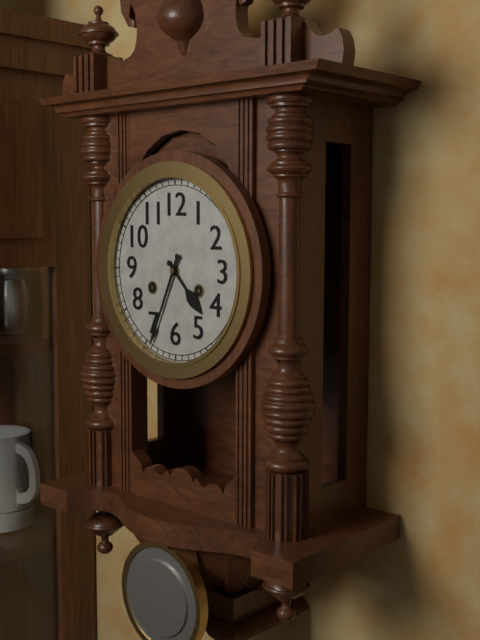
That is 4.34
